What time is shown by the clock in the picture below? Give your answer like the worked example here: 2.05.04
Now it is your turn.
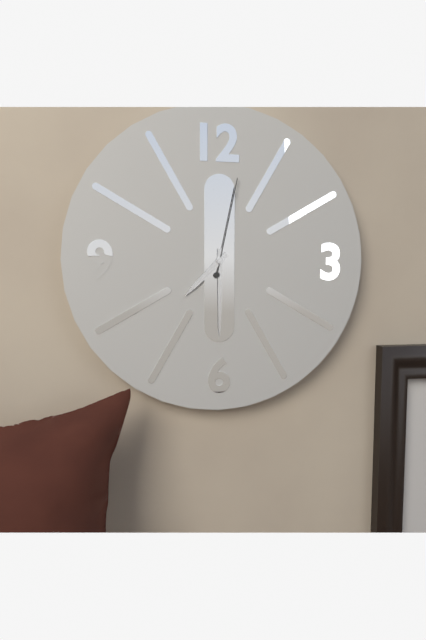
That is 7.30.02
